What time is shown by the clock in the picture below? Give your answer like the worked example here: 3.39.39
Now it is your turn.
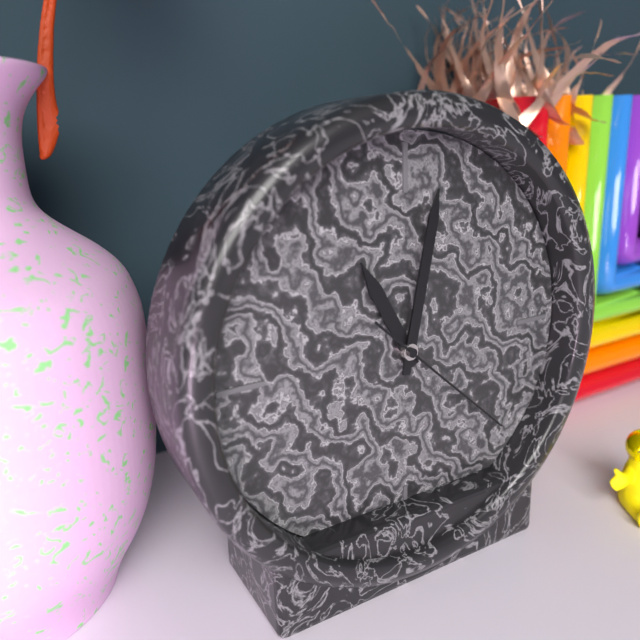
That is 11.02.22
